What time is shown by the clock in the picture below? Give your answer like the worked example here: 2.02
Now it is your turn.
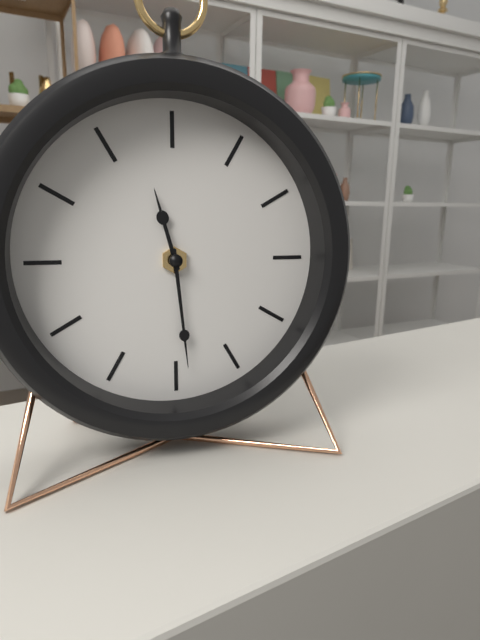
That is 11.29
